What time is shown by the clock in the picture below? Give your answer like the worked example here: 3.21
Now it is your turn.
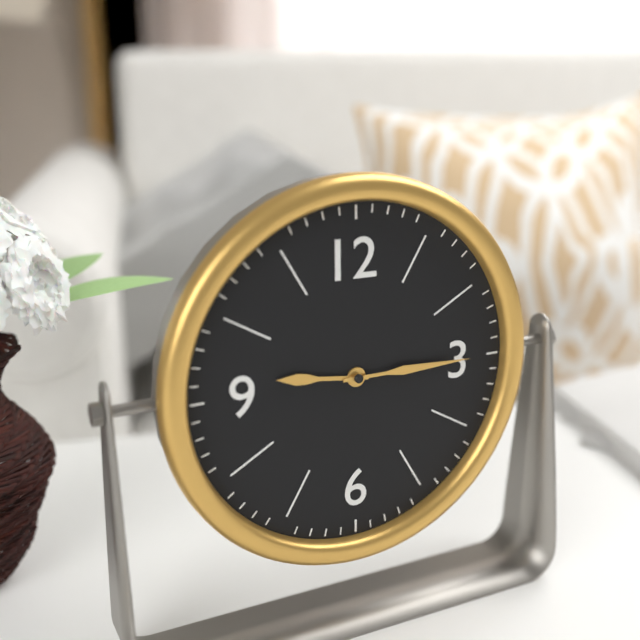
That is 9.15
